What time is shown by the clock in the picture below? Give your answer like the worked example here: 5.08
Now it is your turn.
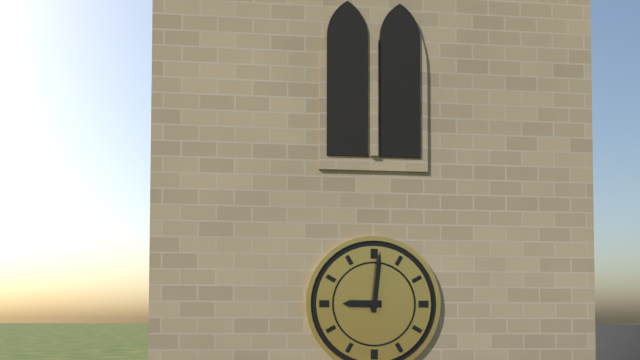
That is 9.01
